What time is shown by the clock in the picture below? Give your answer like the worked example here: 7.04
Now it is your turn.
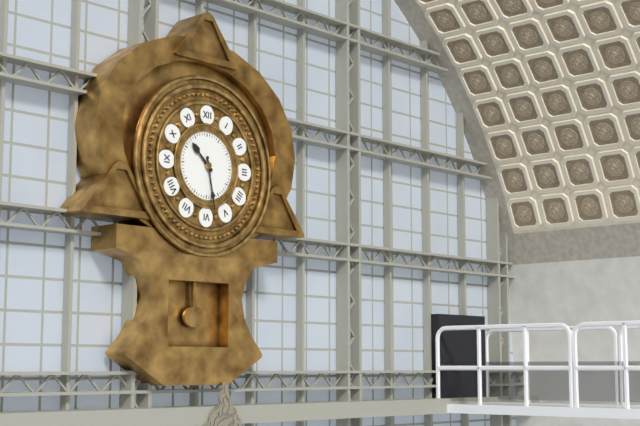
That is 10.28
